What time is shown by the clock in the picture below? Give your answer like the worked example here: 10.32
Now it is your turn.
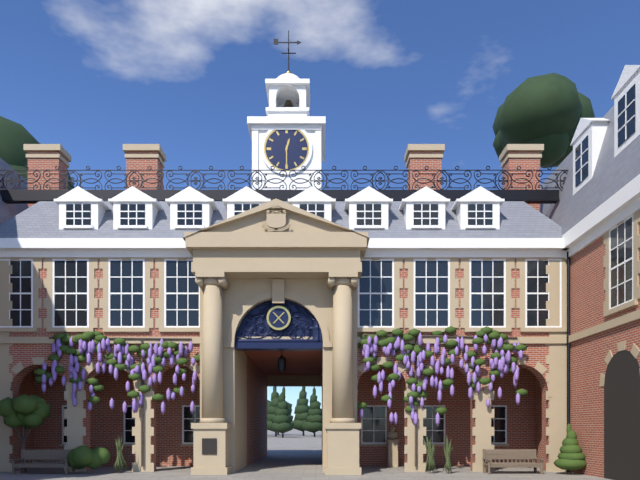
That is 12.30
